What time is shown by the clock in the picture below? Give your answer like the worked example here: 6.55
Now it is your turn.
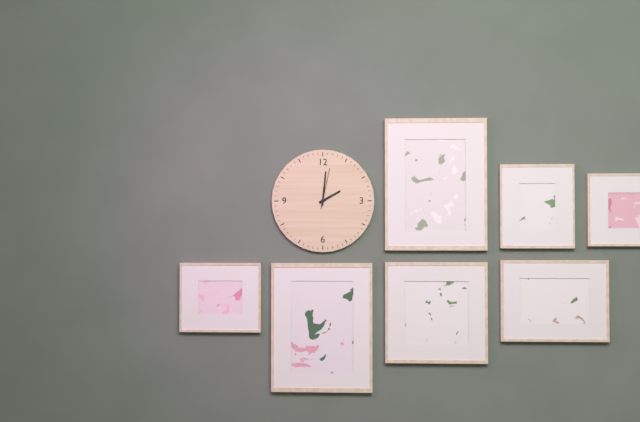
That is 2.01
